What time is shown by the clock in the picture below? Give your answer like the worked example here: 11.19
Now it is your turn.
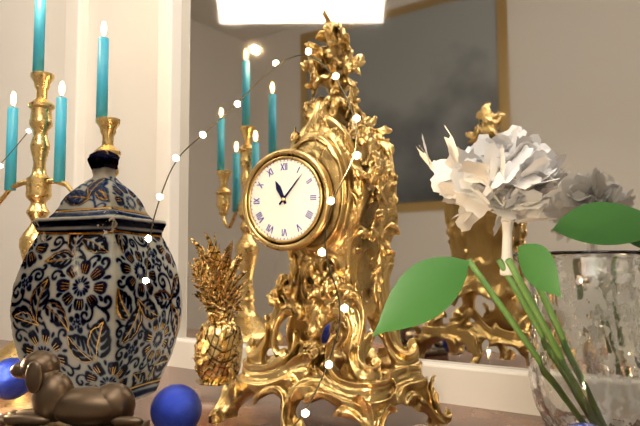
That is 11.07
